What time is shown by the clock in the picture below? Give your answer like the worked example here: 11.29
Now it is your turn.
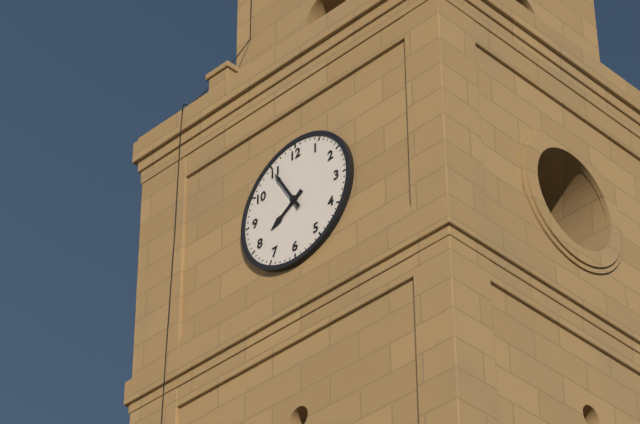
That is 7.55
